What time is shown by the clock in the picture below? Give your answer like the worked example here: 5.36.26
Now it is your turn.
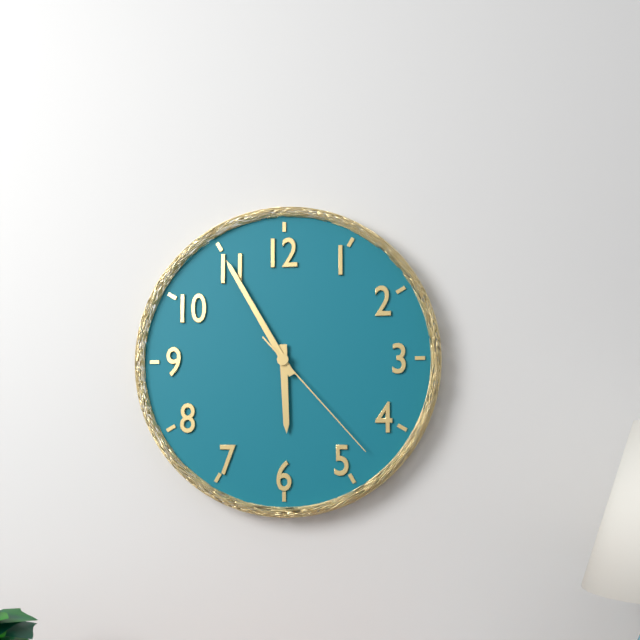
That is 5.55.23
